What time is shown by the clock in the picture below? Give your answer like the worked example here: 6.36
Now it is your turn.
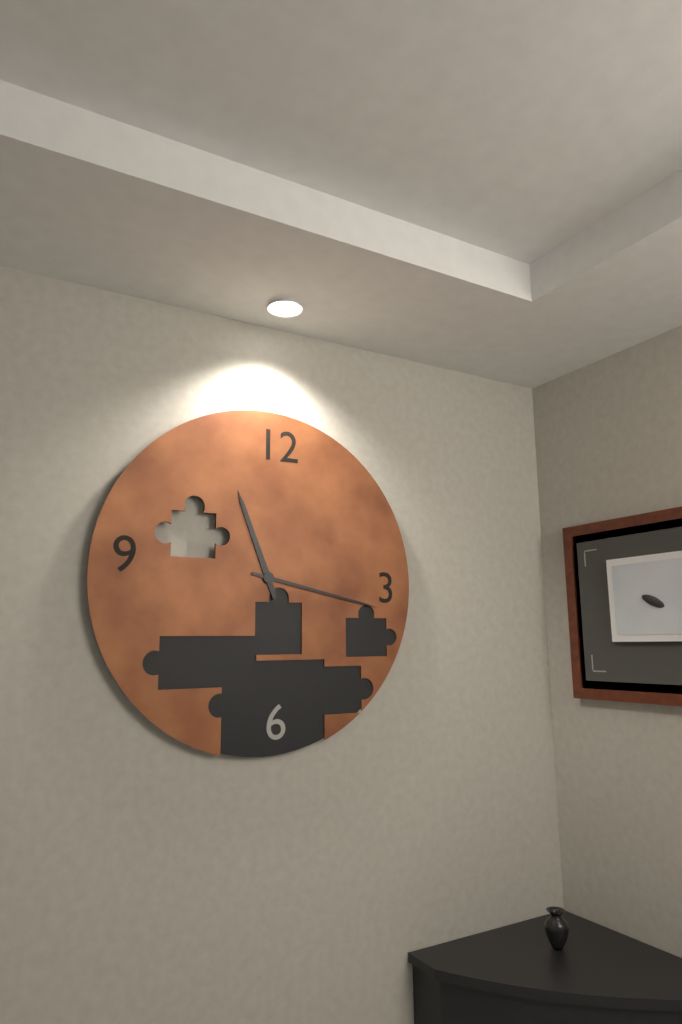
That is 11.17
